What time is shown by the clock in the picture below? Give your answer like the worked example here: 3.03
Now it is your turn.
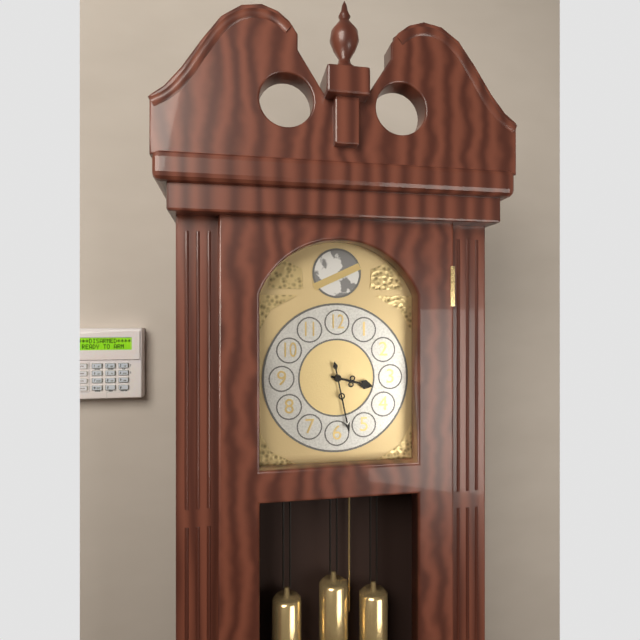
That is 3.28
